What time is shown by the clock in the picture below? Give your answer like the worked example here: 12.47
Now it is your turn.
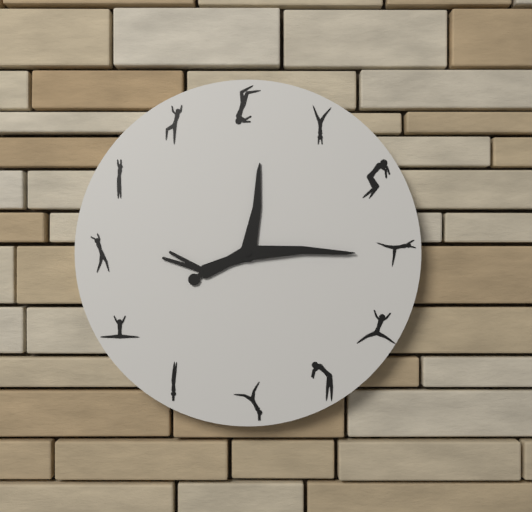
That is 12.15
